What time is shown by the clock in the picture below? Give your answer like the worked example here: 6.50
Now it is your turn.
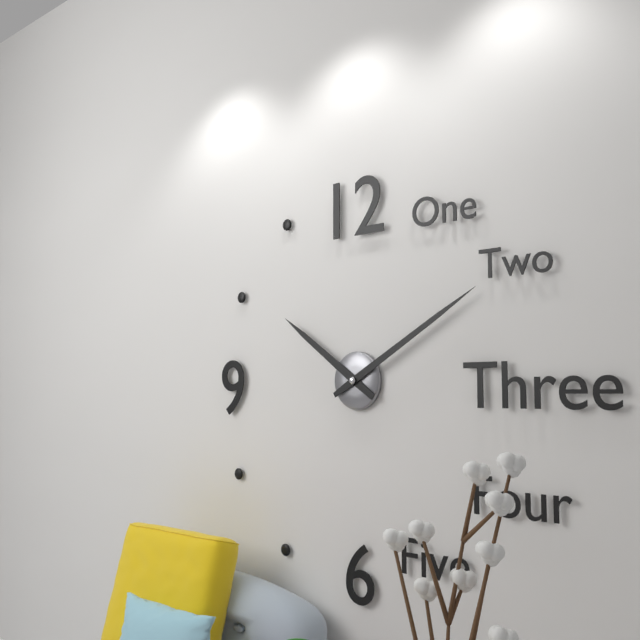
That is 10.10
